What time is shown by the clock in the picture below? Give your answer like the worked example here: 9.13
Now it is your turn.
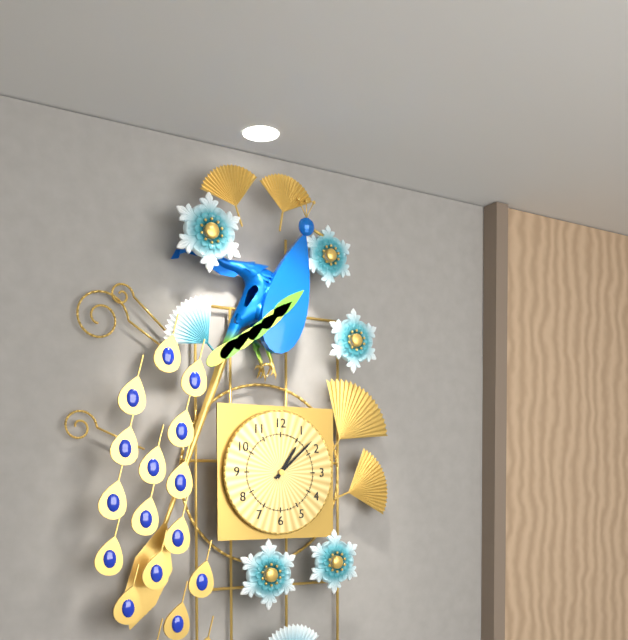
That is 1.08
